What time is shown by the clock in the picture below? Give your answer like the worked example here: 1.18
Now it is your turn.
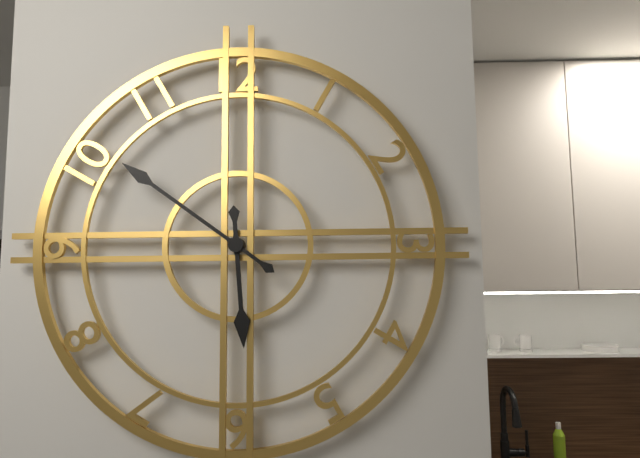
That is 5.51
